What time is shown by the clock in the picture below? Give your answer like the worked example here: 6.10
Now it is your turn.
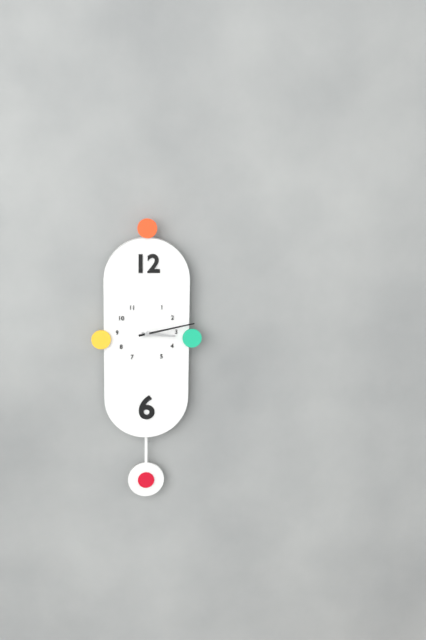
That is 3.13
